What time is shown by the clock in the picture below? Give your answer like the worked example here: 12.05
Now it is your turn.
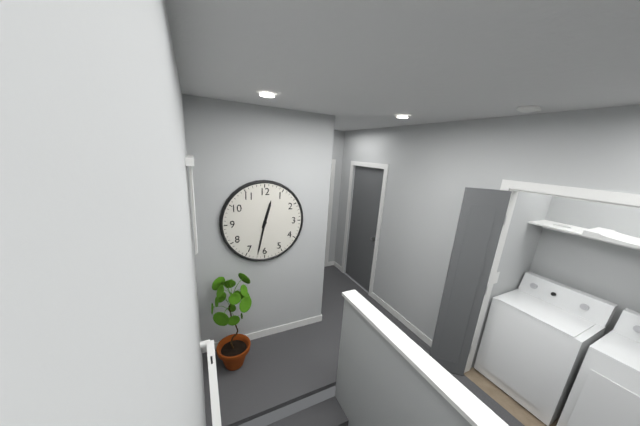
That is 12.32
